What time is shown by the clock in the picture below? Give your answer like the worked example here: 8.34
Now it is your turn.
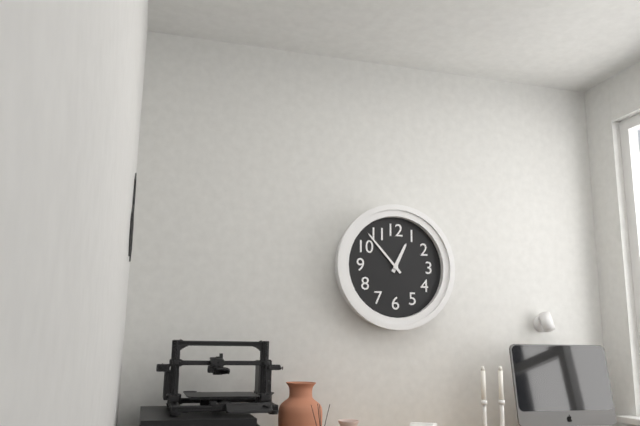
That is 12.53
